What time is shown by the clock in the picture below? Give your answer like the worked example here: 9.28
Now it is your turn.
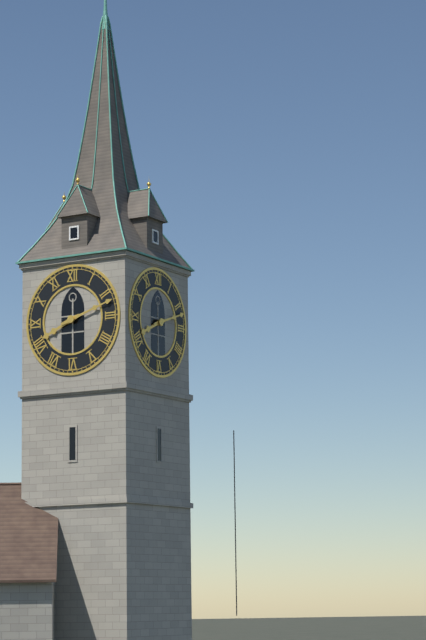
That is 8.12
